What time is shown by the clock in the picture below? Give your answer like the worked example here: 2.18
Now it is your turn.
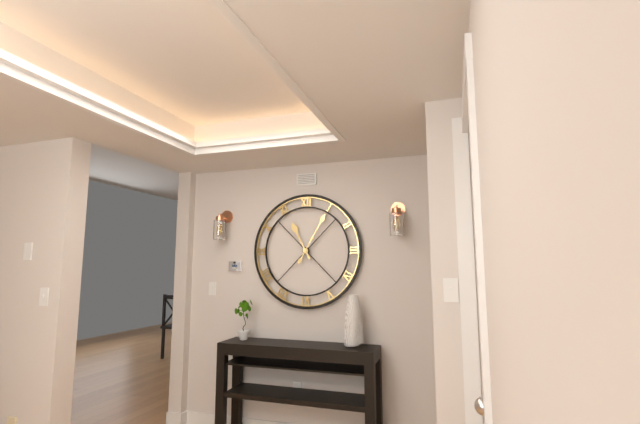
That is 11.05
